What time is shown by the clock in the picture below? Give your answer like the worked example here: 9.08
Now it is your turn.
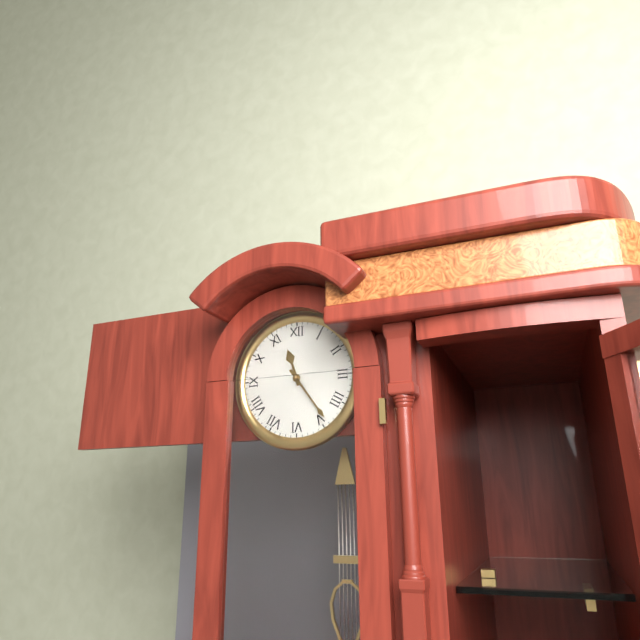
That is 11.24
